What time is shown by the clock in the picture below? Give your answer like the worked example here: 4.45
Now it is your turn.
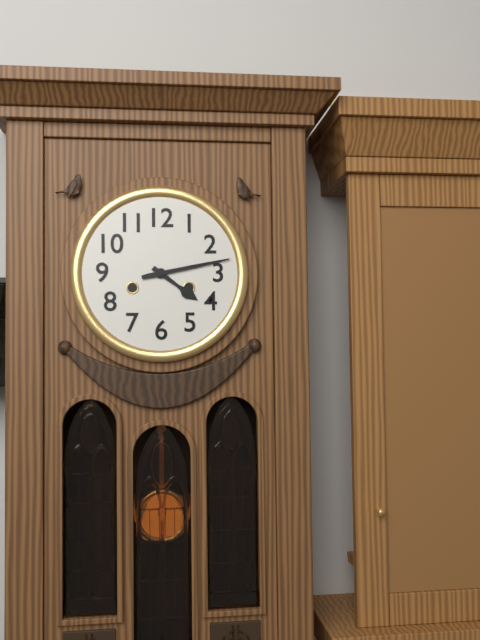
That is 4.13
